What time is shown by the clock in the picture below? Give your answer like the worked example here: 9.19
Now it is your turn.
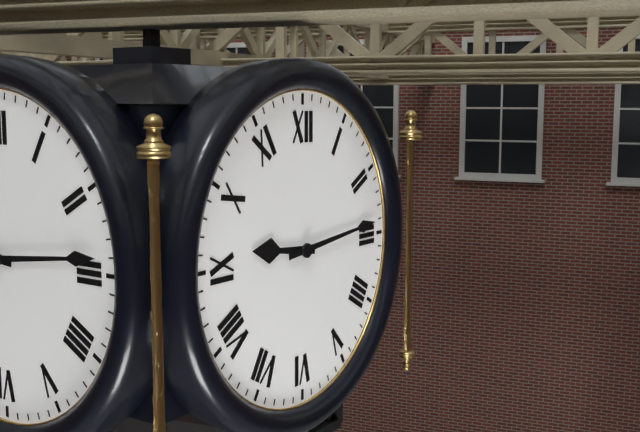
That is 9.14
